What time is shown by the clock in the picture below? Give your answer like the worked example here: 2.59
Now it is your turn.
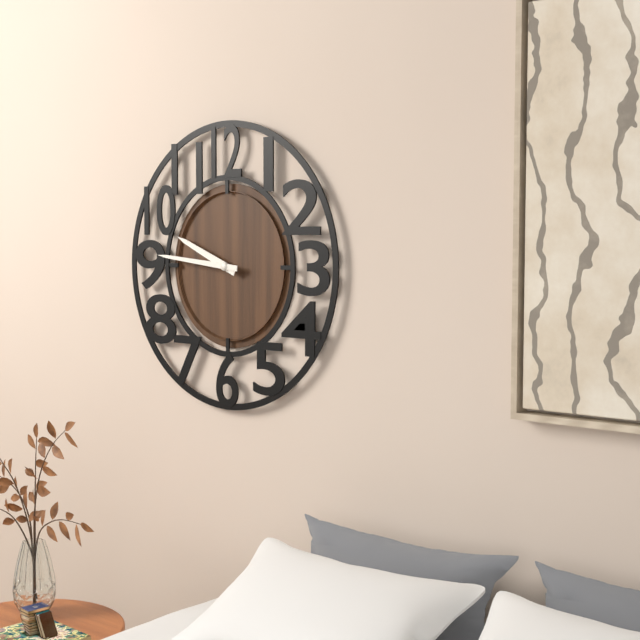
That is 9.46
